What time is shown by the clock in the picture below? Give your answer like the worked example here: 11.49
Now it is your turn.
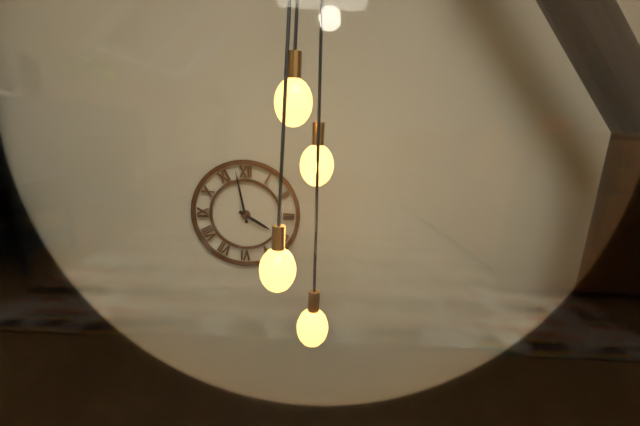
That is 3.58
